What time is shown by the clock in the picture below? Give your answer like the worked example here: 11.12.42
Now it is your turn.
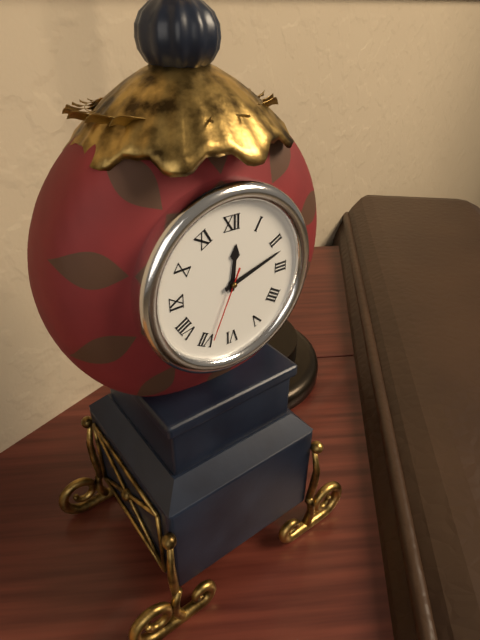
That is 12.12.34
